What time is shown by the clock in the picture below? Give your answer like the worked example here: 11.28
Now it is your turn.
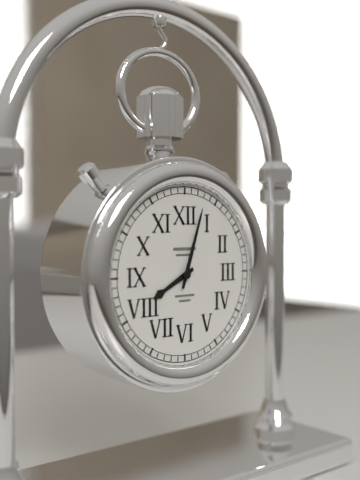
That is 8.03
